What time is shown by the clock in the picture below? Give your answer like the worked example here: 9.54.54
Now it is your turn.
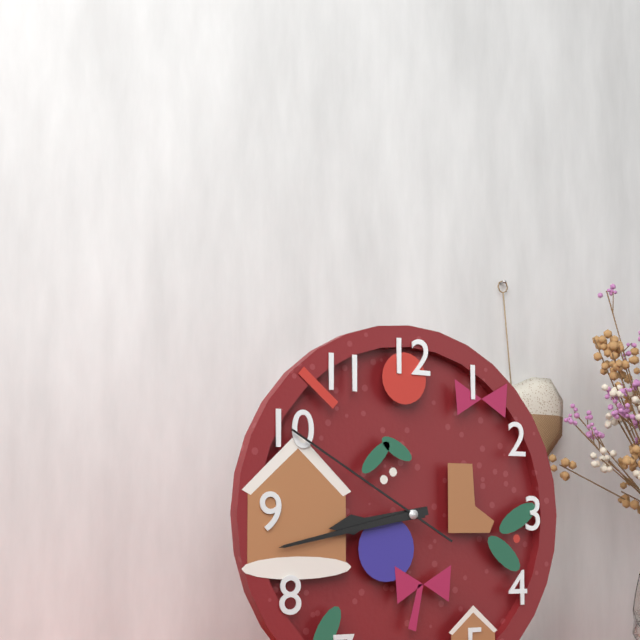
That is 8.43.50
